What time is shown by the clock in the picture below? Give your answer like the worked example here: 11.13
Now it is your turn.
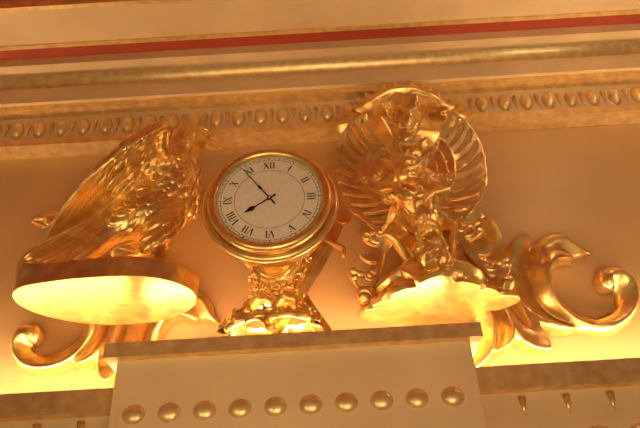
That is 7.54
